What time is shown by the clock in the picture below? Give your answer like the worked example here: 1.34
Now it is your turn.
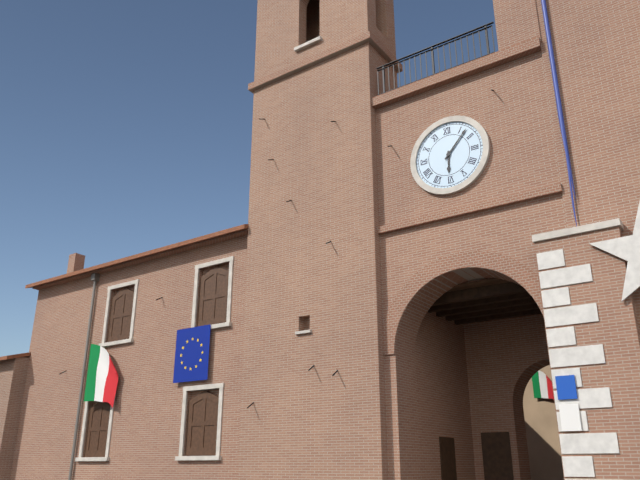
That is 6.07
